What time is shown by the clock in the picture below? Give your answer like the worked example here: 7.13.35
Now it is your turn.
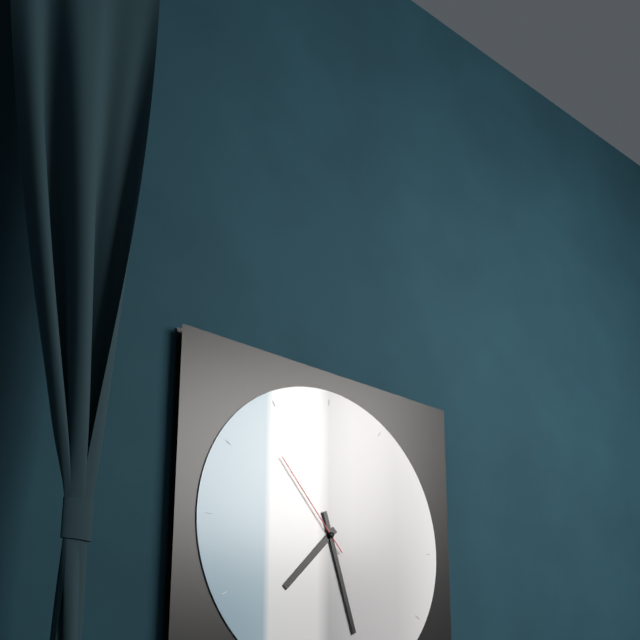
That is 7.27.53
